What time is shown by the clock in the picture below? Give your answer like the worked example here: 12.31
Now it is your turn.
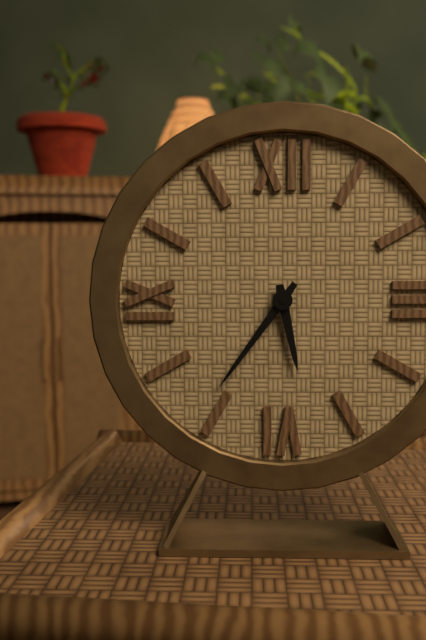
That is 5.36
